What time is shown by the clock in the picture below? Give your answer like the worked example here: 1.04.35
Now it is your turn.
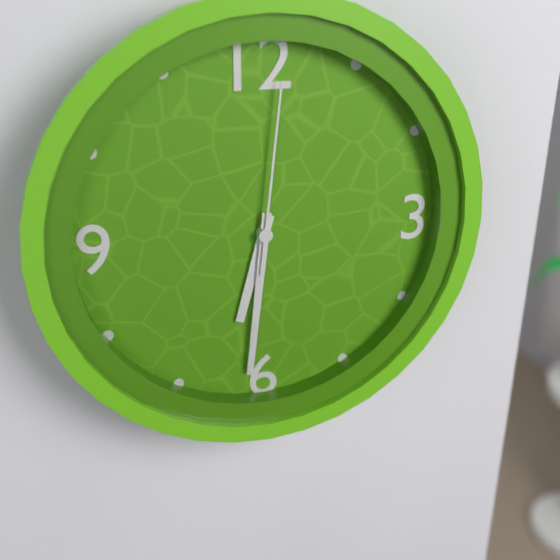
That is 6.31.01
